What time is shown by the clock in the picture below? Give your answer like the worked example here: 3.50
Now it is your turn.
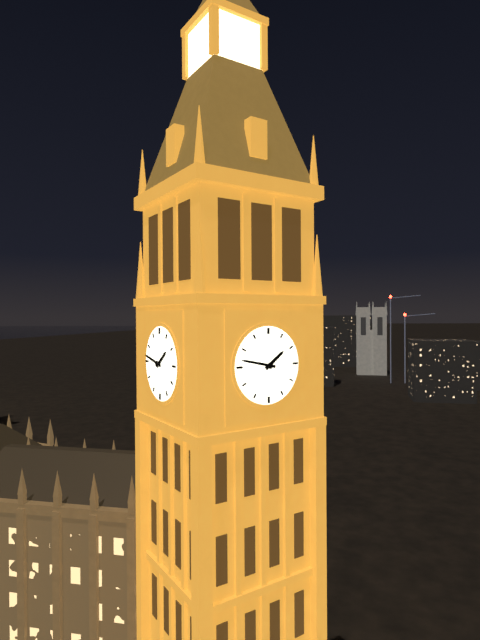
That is 1.47
